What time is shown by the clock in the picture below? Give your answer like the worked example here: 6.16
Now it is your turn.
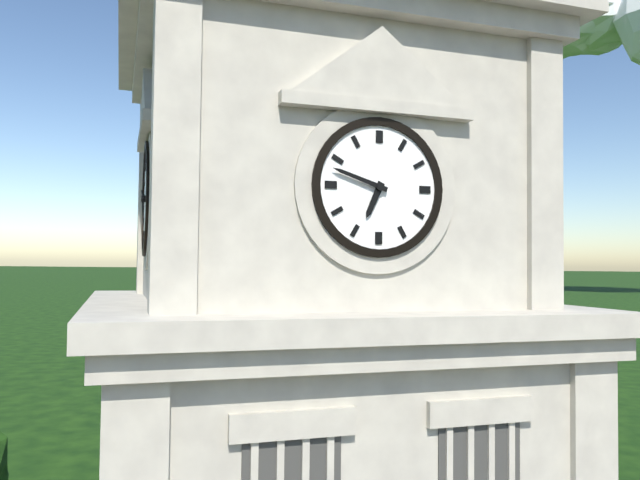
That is 6.48
